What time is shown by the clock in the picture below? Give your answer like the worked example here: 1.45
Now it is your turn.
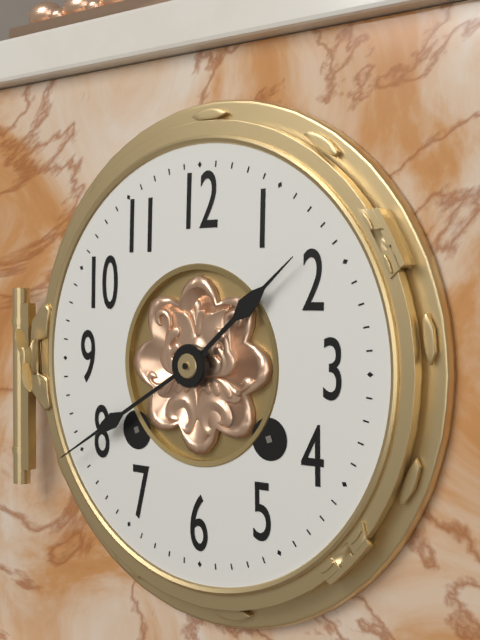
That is 1.40
